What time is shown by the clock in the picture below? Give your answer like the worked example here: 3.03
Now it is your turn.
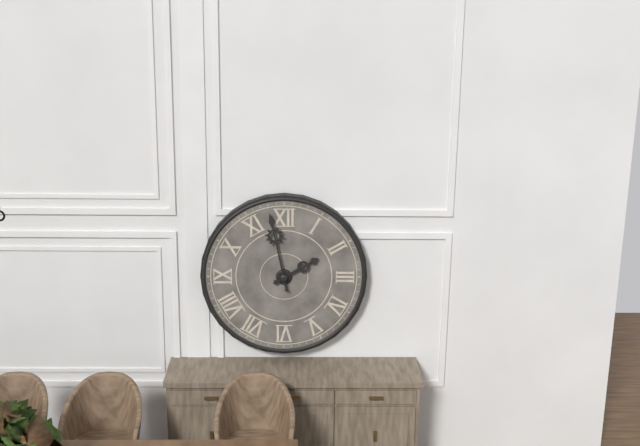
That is 1.58
